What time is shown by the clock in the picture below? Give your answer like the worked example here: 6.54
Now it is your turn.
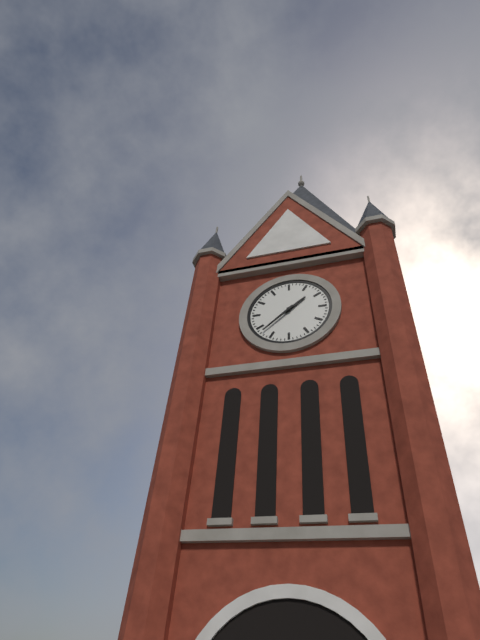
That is 1.38
